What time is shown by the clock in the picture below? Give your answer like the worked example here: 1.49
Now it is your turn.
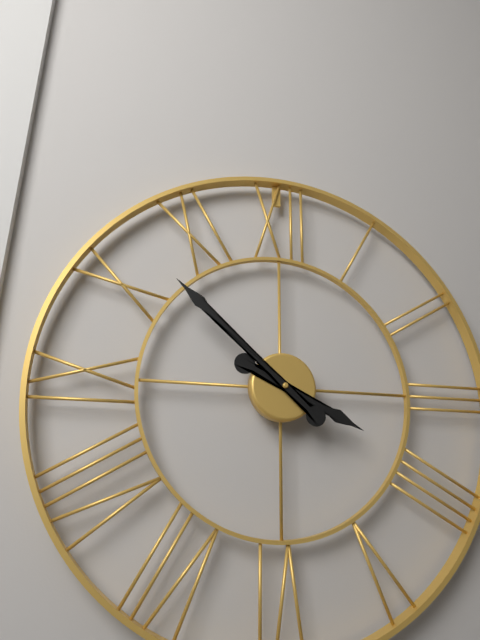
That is 3.52
